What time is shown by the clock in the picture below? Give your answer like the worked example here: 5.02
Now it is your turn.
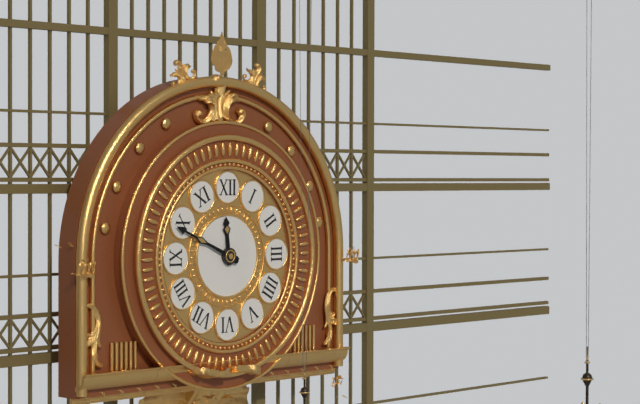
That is 11.49
